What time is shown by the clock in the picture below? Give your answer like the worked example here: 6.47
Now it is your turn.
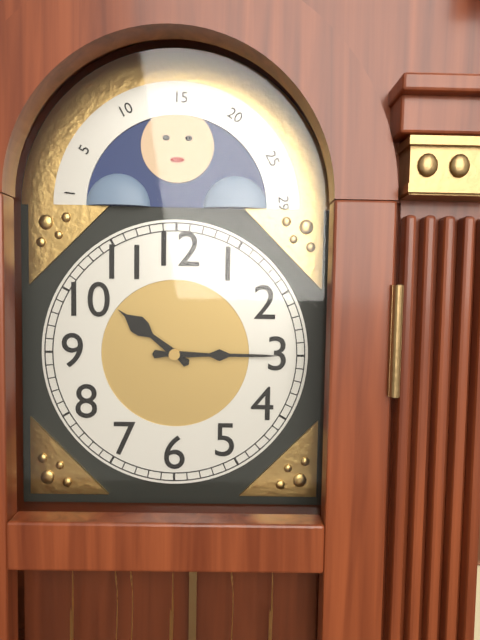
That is 10.15
